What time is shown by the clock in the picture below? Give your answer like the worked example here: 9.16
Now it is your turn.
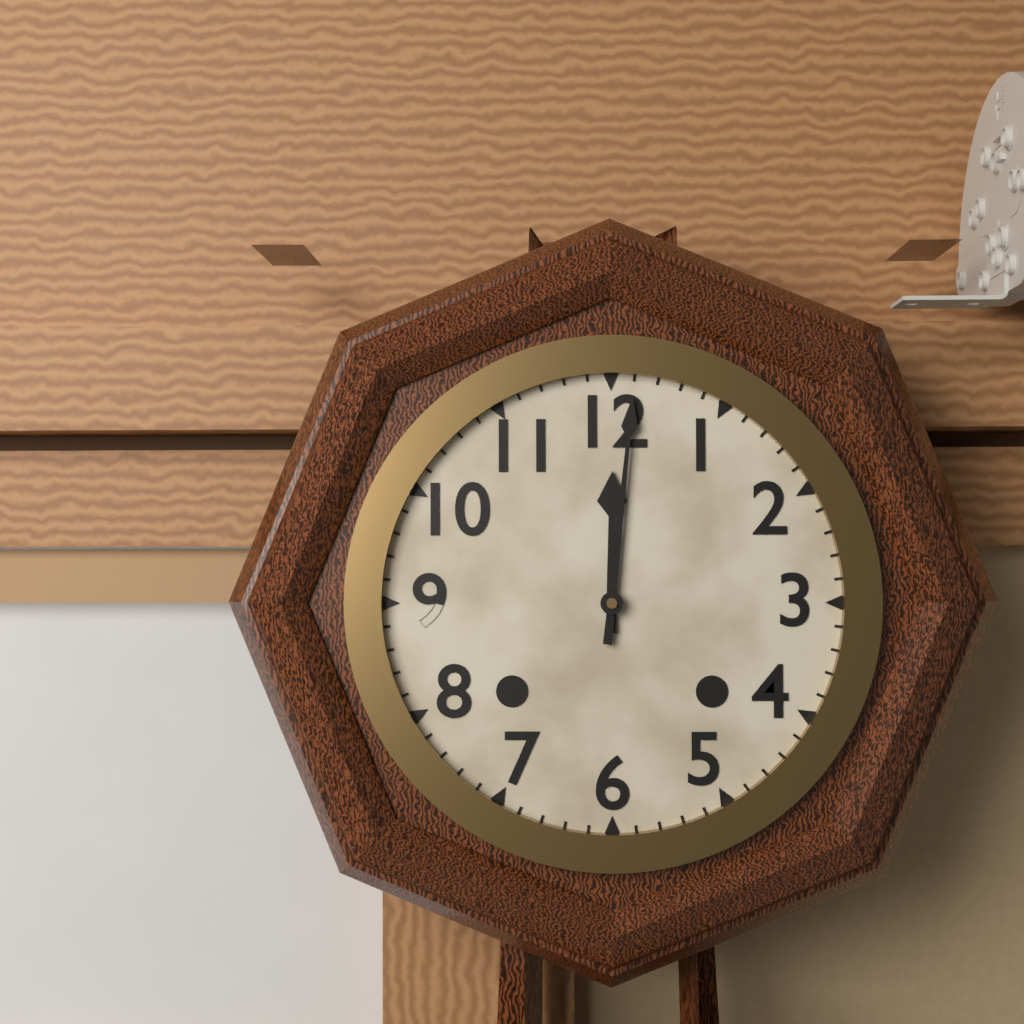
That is 12.01
